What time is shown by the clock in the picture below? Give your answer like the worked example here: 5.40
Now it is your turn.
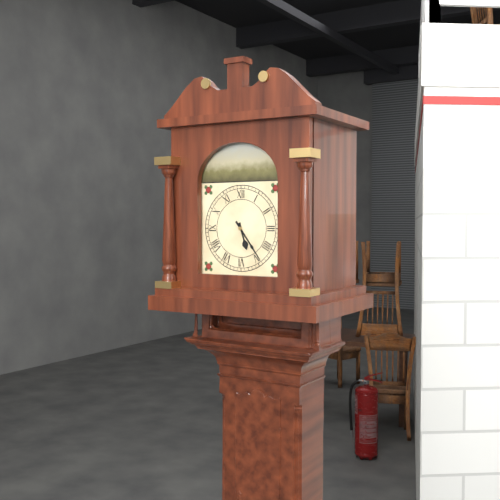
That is 5.24
